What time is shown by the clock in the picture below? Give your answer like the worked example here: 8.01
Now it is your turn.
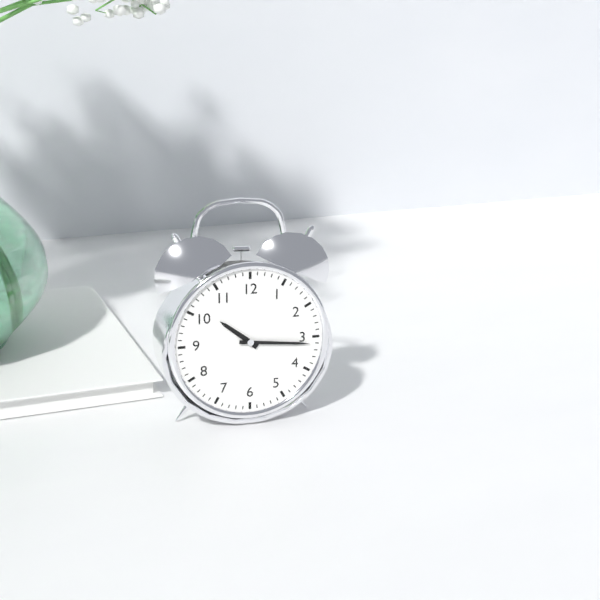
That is 10.16
